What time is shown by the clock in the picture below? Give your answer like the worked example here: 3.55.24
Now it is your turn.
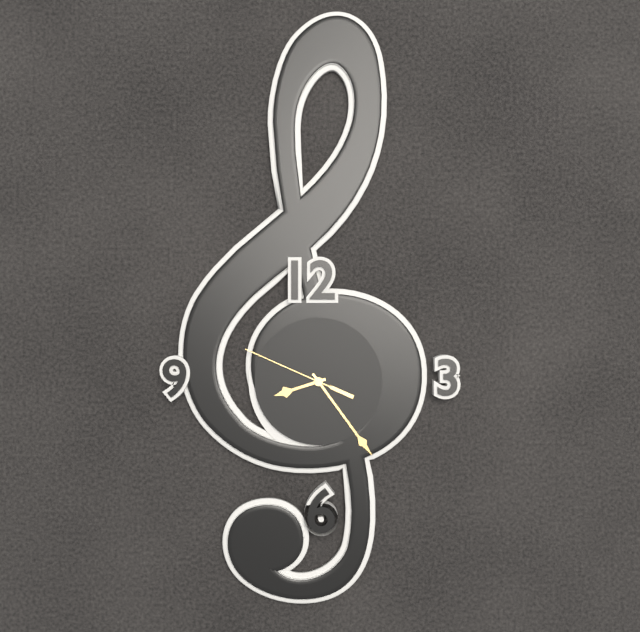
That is 8.24.49
